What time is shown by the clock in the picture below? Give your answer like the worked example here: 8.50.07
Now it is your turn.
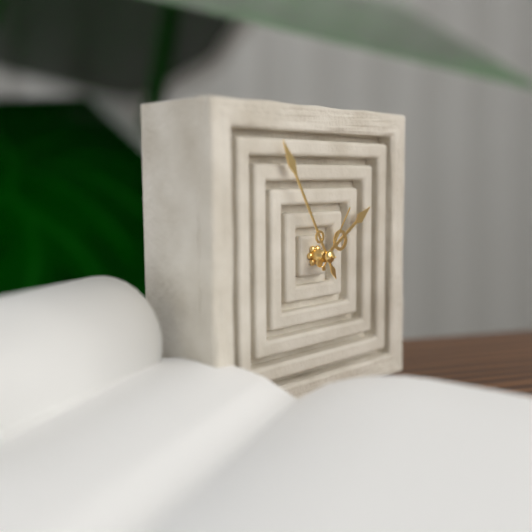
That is 1.55.06
